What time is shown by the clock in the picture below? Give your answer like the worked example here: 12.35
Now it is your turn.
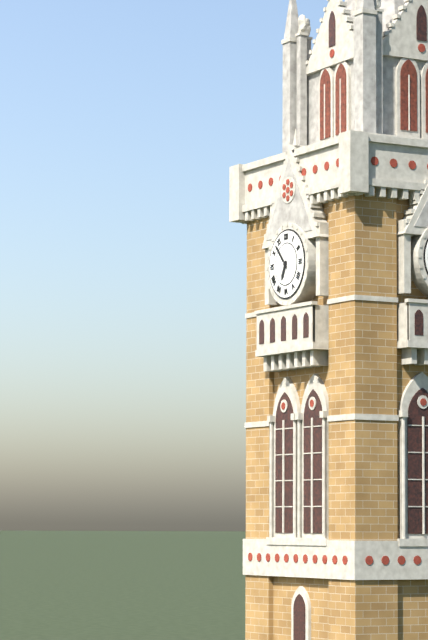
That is 6.53
